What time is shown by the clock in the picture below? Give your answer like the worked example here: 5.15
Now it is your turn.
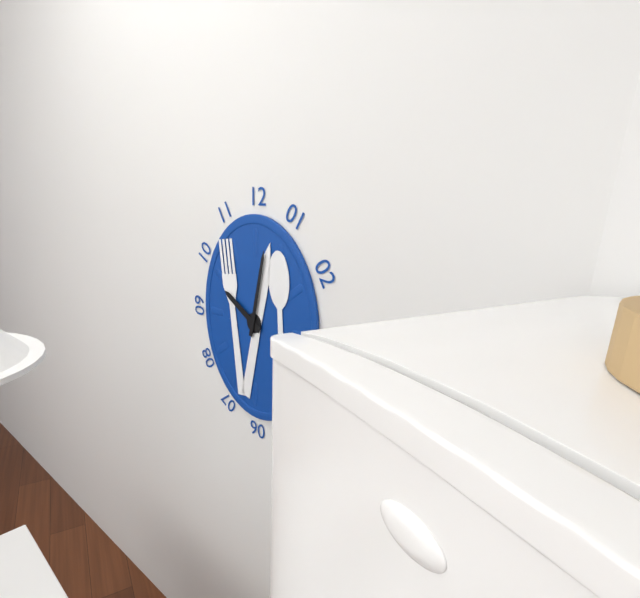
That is 10.02
